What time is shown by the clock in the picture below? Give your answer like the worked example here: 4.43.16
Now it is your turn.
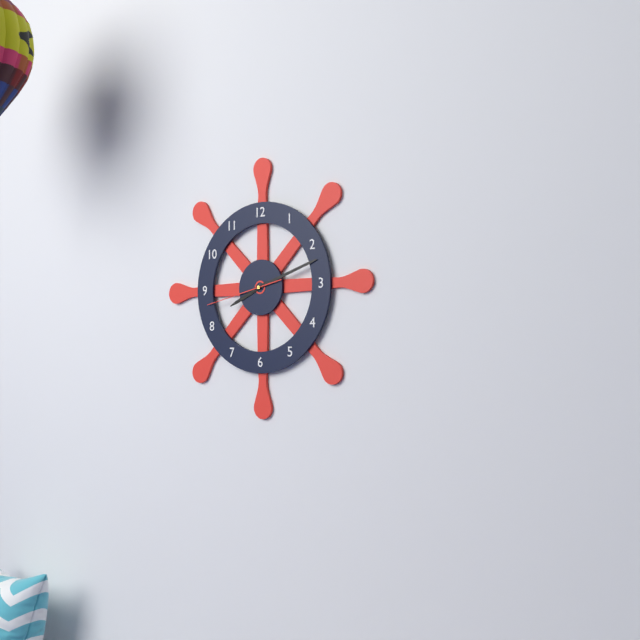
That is 8.12.43
